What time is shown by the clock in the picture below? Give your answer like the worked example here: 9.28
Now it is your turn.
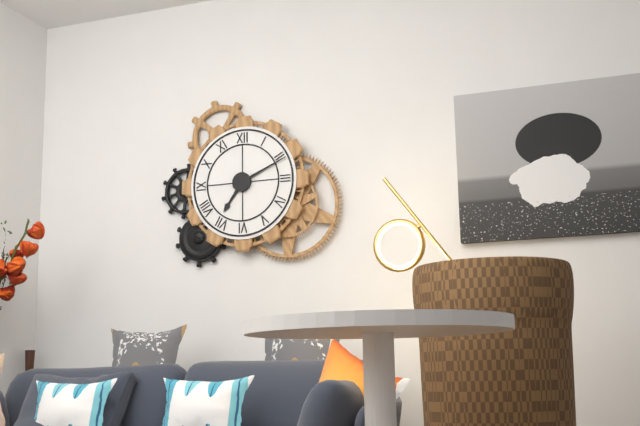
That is 7.11
